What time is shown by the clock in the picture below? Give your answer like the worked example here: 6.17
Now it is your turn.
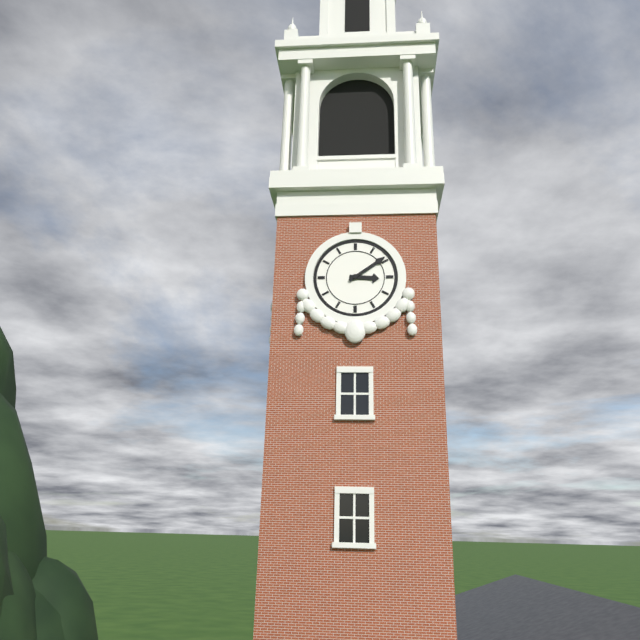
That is 3.09
